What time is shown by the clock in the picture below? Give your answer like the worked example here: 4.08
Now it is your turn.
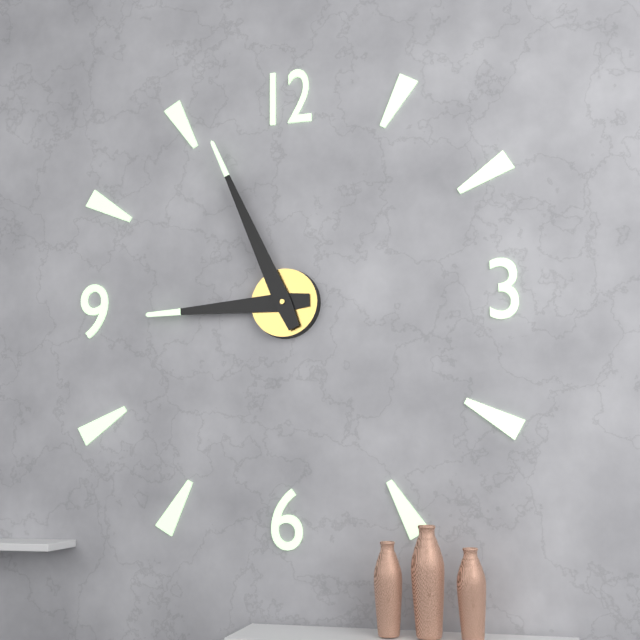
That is 8.56
